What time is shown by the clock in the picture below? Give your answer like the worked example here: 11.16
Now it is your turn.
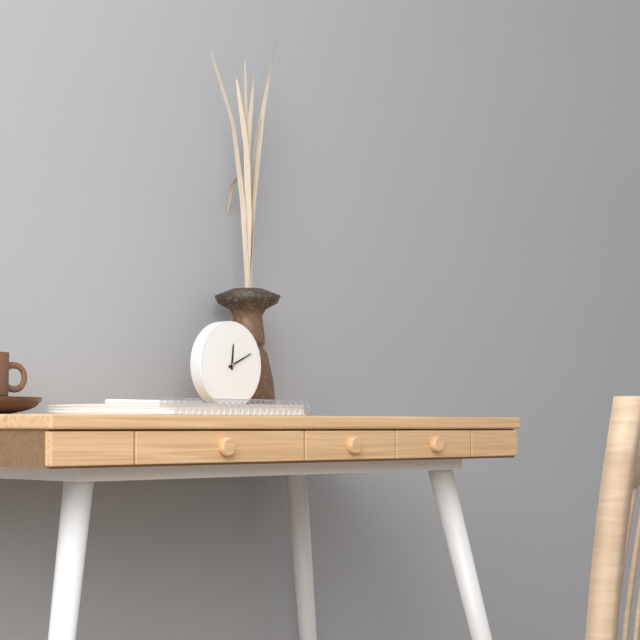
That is 12.11
